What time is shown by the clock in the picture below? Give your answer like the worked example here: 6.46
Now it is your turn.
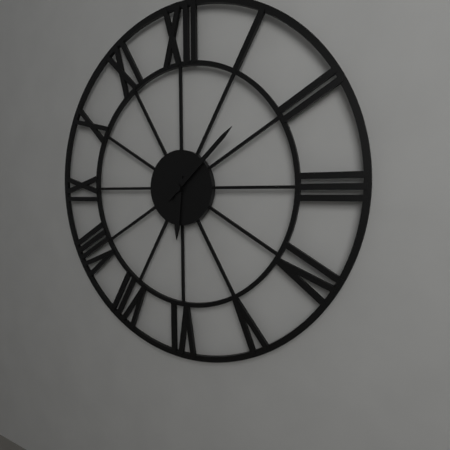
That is 6.08
